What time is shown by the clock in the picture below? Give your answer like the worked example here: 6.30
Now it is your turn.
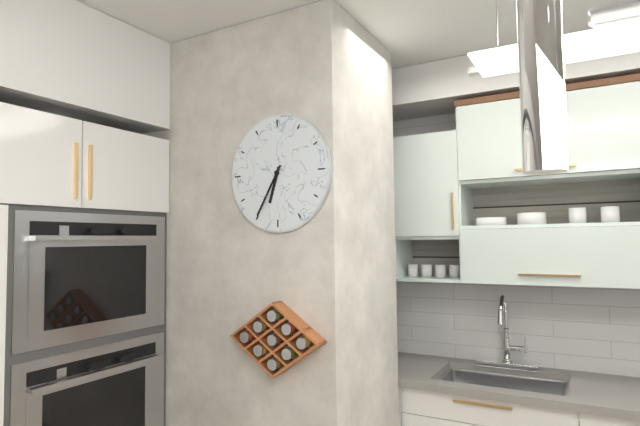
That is 6.35
